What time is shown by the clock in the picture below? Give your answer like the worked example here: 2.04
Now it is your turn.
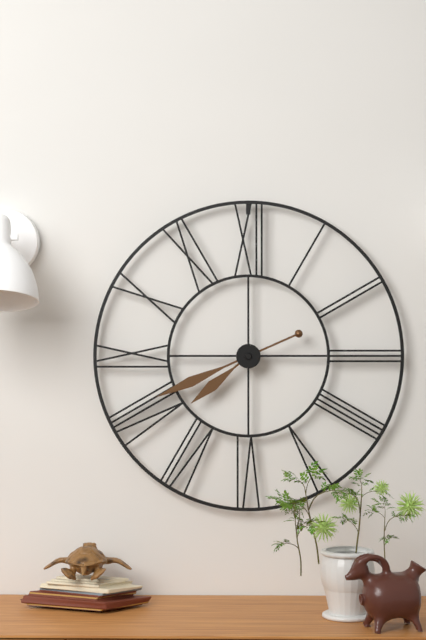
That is 7.41
